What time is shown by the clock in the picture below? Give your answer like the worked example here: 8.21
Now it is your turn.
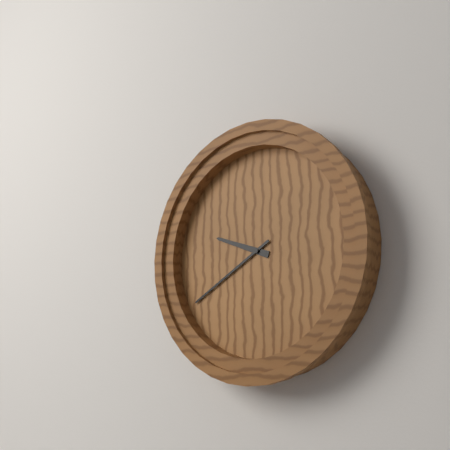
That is 9.40
